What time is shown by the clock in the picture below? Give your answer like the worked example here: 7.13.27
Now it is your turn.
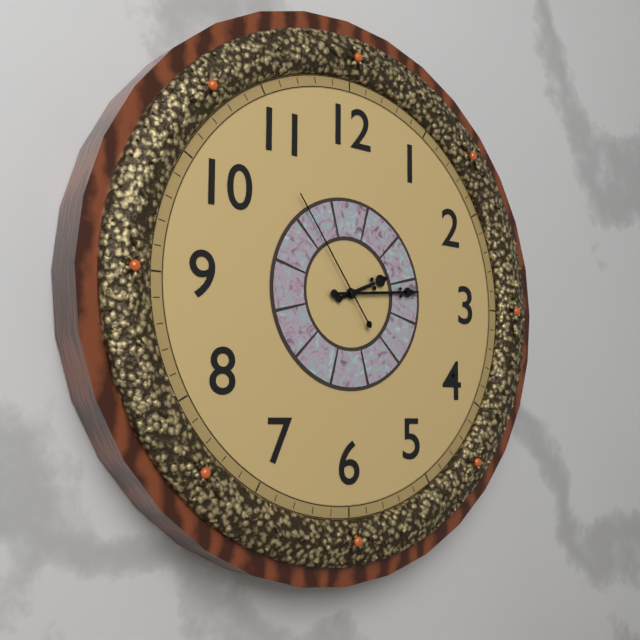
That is 2.14.54
